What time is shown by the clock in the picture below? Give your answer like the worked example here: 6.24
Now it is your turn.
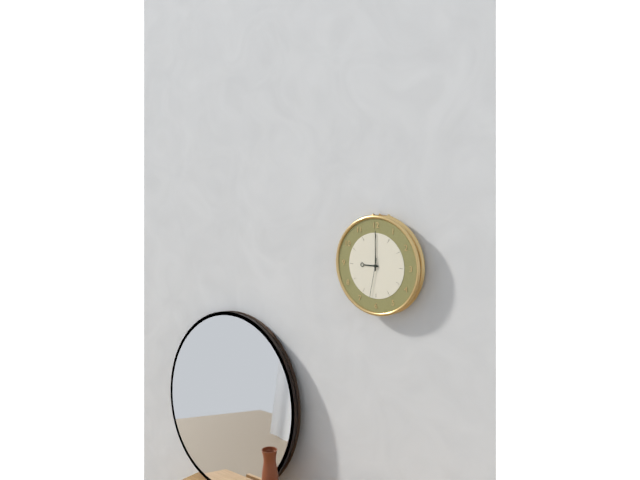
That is 9.00
